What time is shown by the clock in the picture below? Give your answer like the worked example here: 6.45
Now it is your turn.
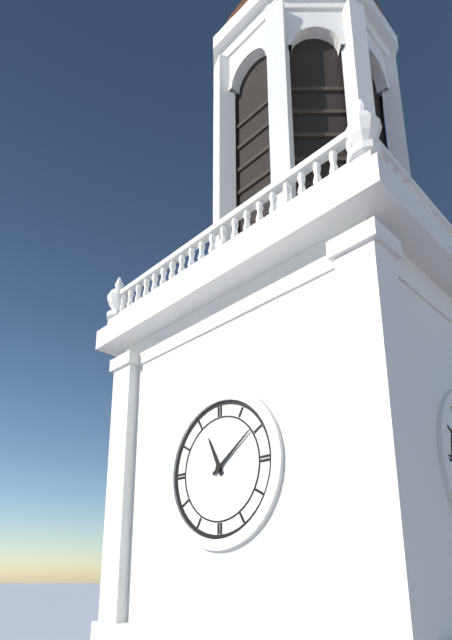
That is 11.09
